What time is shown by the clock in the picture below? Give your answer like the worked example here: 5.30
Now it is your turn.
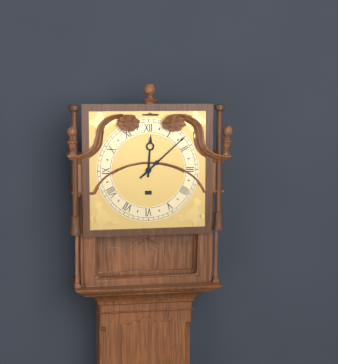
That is 12.08
